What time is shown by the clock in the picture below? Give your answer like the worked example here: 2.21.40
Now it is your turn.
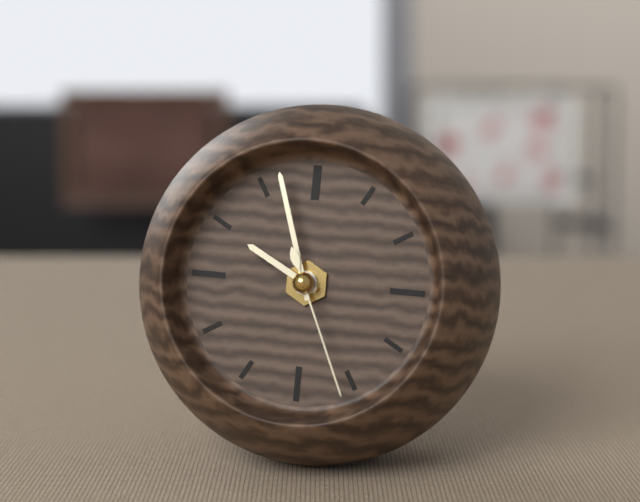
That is 9.57.26
